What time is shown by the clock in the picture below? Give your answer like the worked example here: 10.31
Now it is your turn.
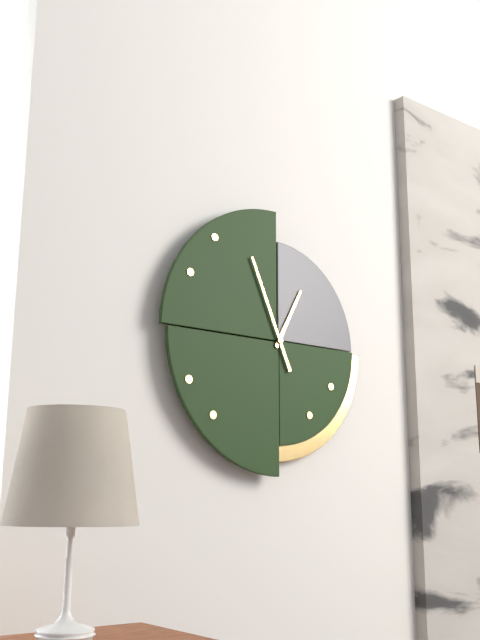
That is 12.56
